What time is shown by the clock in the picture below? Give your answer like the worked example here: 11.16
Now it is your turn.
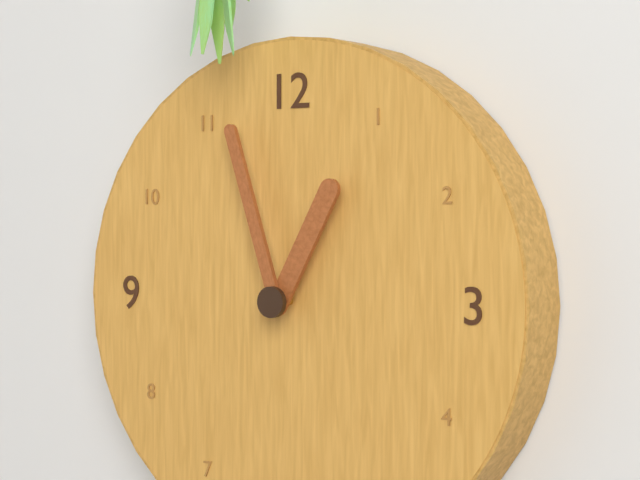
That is 12.57
